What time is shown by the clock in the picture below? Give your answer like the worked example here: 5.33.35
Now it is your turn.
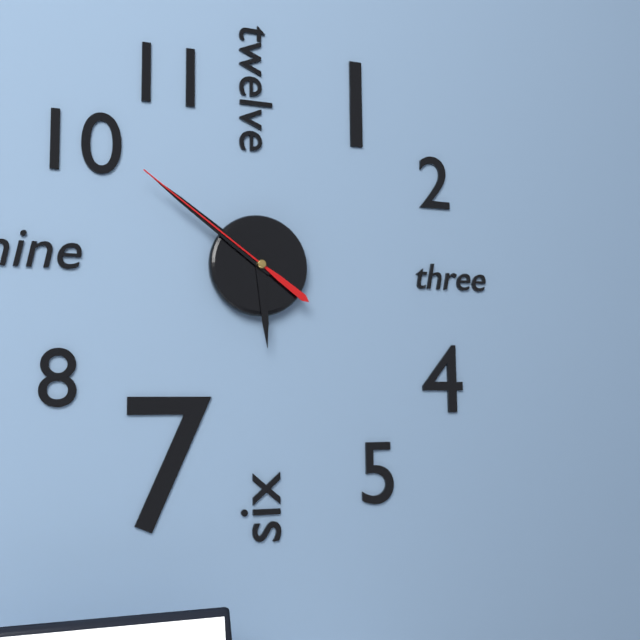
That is 5.51.51
